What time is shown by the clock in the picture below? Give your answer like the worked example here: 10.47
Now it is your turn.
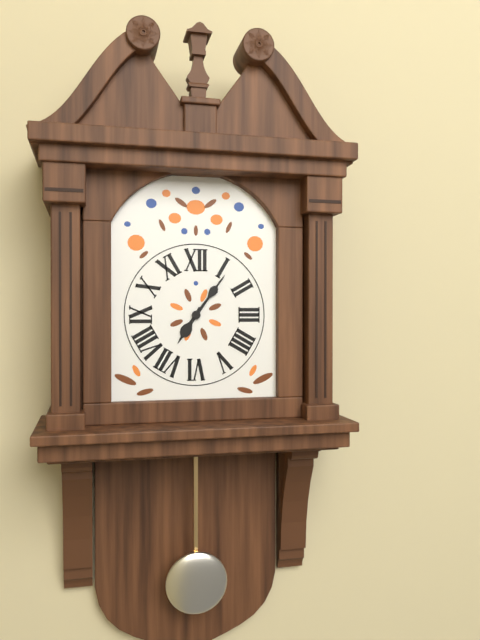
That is 7.06
